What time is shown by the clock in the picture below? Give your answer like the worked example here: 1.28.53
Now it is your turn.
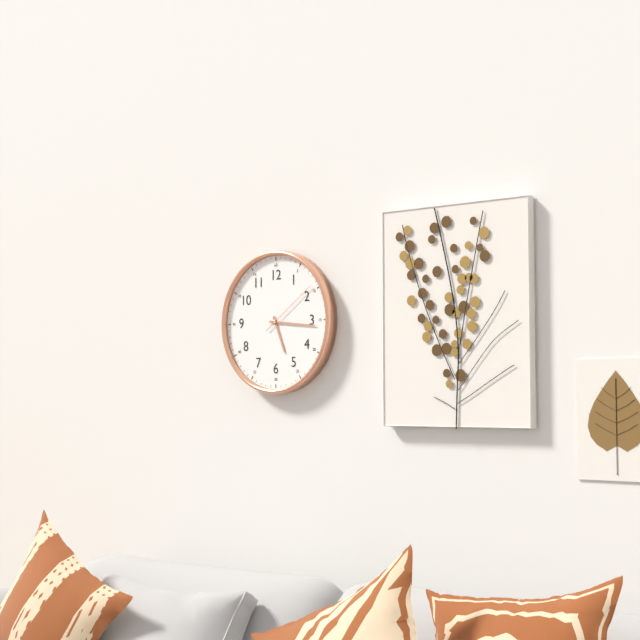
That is 5.16.09
